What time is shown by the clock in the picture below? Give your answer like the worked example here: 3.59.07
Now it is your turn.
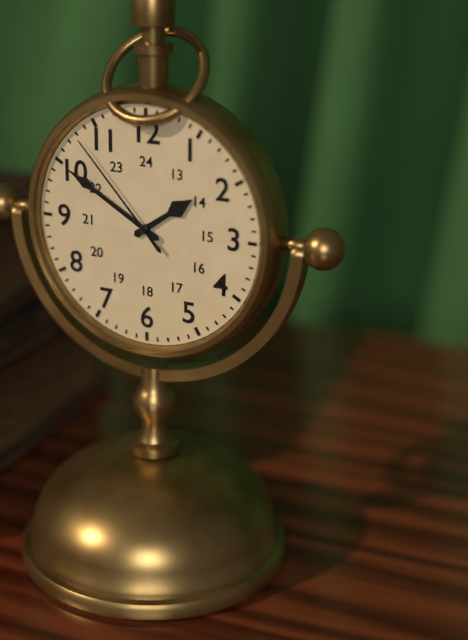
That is 1.50.53
